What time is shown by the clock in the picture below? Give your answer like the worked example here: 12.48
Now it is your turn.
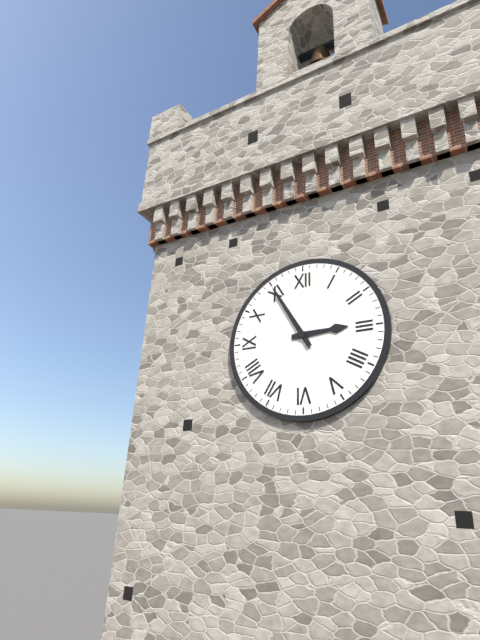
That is 2.55
